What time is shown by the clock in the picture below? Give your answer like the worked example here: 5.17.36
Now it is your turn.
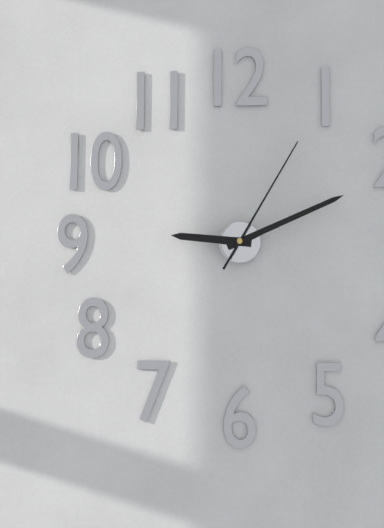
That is 9.11.05
